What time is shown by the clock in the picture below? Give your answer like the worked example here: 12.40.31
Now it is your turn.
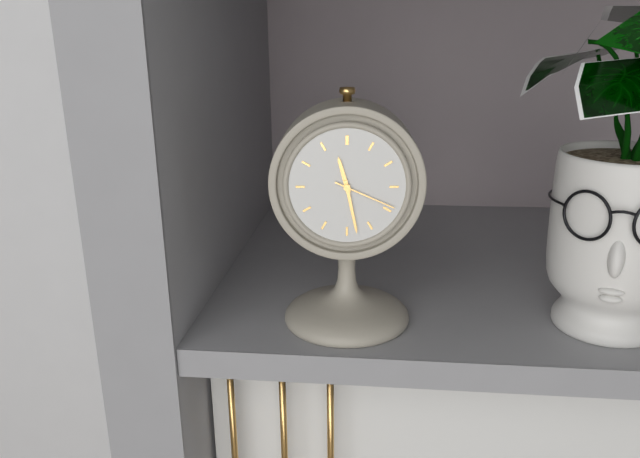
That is 11.28.19
